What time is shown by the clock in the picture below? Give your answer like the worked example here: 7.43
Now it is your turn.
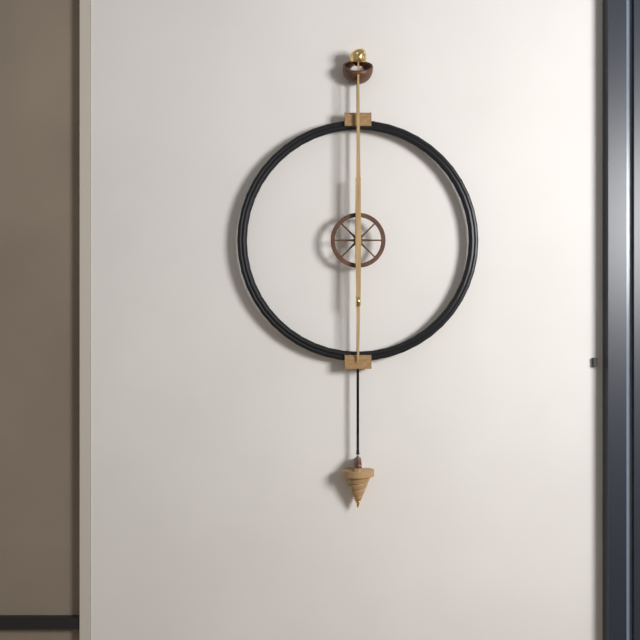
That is 6.00
